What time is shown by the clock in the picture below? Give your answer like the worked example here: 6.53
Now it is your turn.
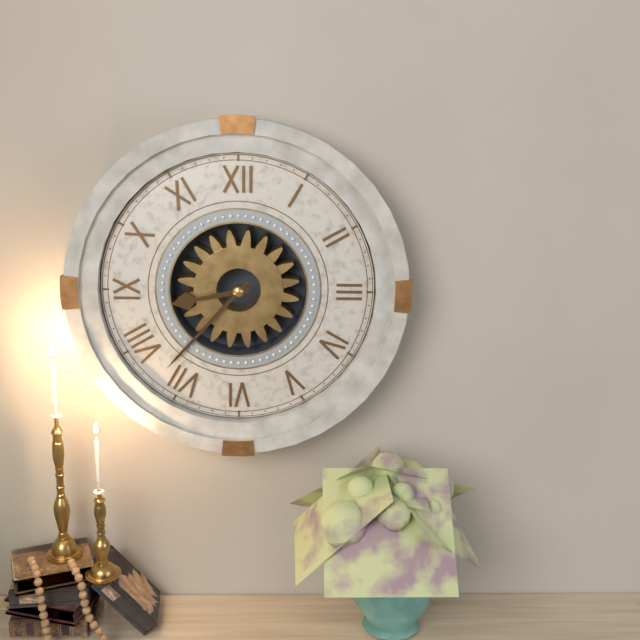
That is 8.37
